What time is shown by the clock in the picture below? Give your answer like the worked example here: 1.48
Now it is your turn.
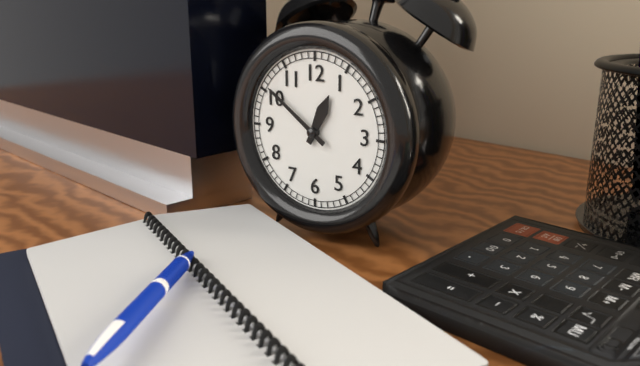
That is 12.51
